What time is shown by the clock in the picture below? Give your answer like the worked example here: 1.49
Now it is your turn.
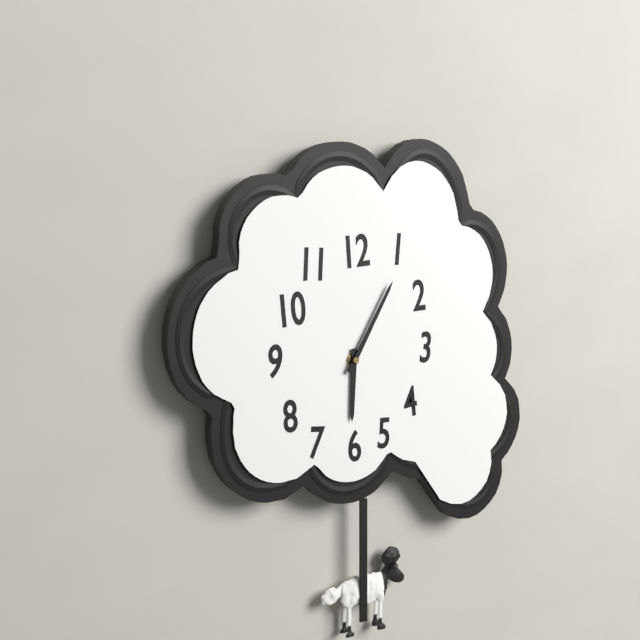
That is 6.05
